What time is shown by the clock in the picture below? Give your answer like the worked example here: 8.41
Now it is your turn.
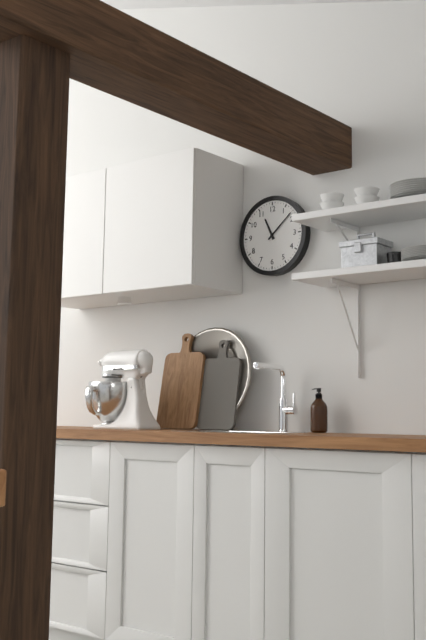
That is 11.08
